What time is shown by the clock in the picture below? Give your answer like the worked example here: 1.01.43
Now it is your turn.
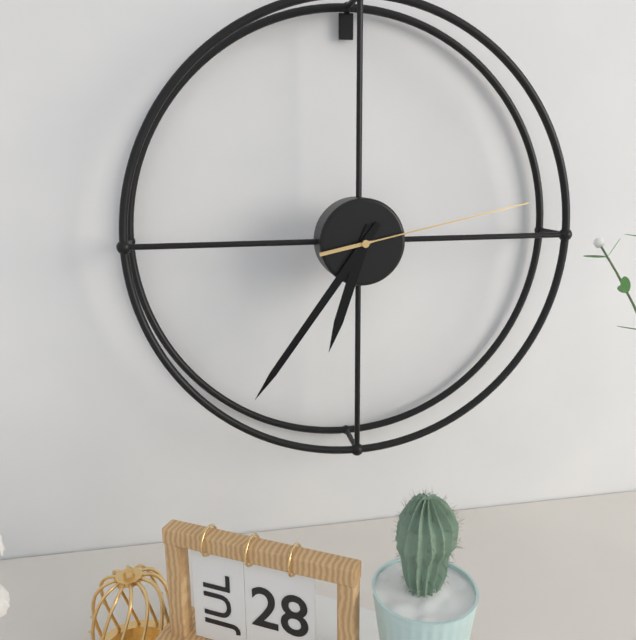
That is 6.36.13
